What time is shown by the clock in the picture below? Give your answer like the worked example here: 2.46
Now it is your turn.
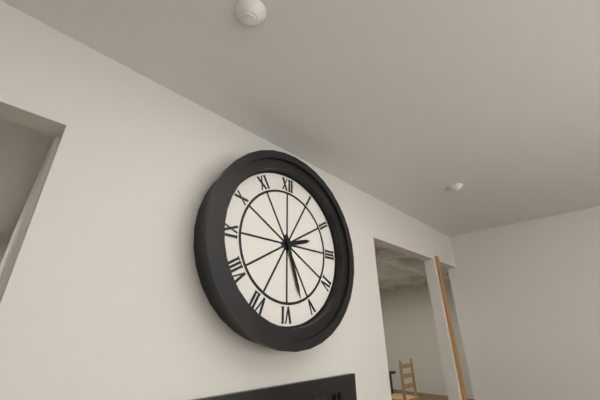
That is 2.27
